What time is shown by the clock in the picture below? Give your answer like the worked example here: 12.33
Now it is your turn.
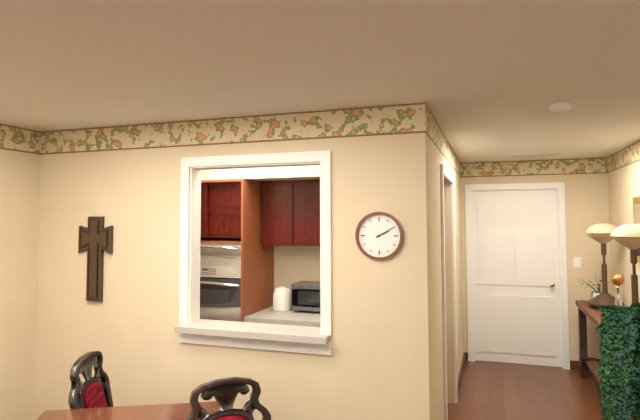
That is 2.10
